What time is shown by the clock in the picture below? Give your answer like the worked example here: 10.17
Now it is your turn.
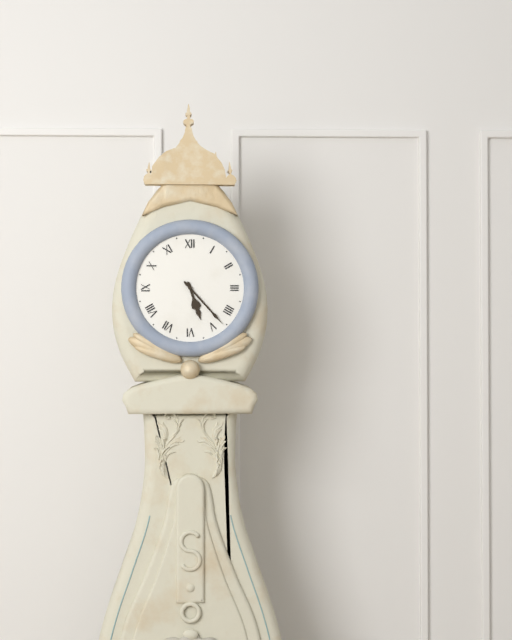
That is 5.23
